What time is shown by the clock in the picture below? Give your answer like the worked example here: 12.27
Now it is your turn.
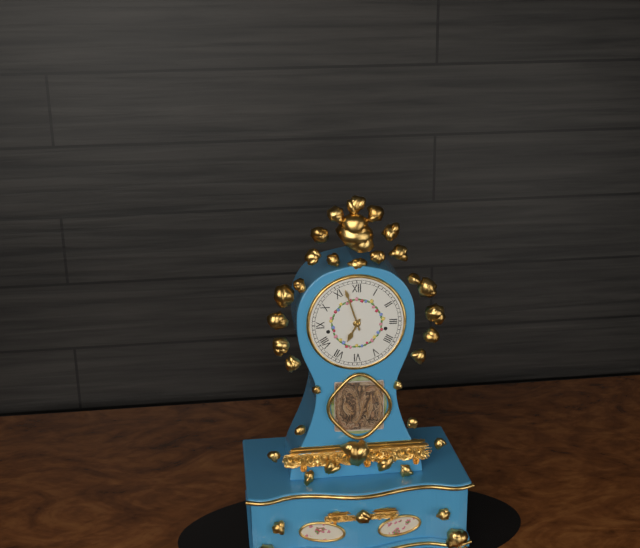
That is 6.57
